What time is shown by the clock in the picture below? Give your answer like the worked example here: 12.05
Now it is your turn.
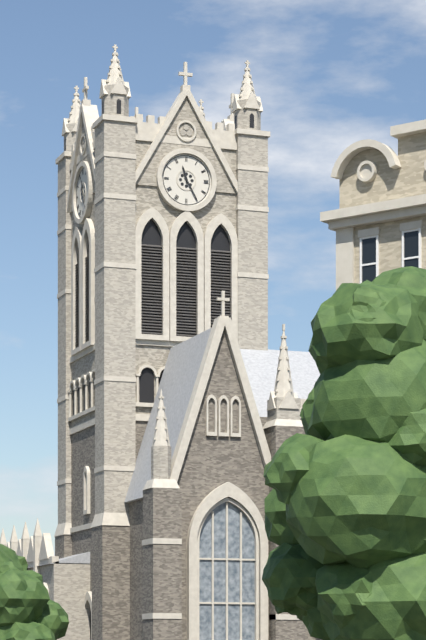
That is 11.25
